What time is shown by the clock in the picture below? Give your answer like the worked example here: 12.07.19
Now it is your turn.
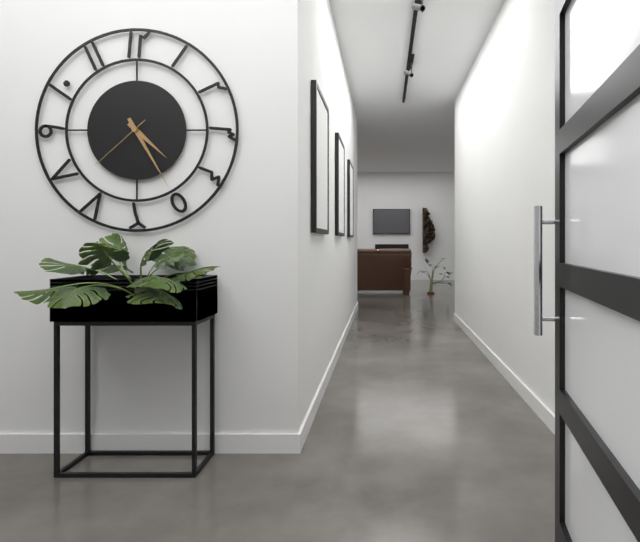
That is 4.25.38
